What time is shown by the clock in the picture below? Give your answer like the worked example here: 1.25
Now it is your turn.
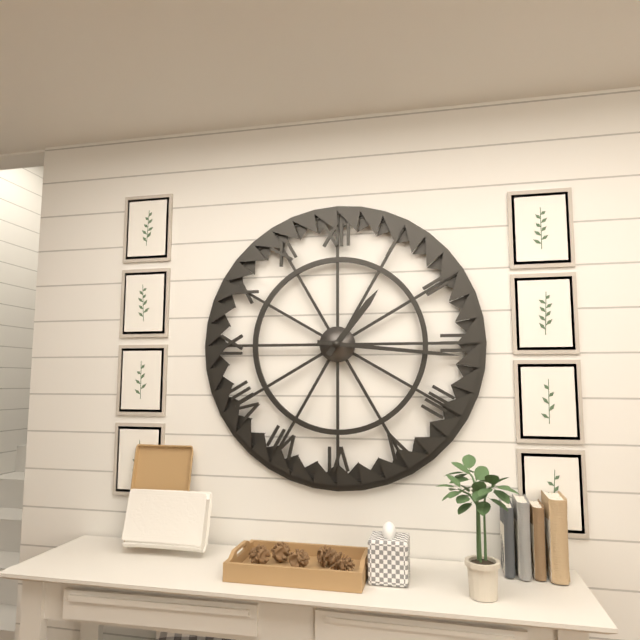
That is 1.16
